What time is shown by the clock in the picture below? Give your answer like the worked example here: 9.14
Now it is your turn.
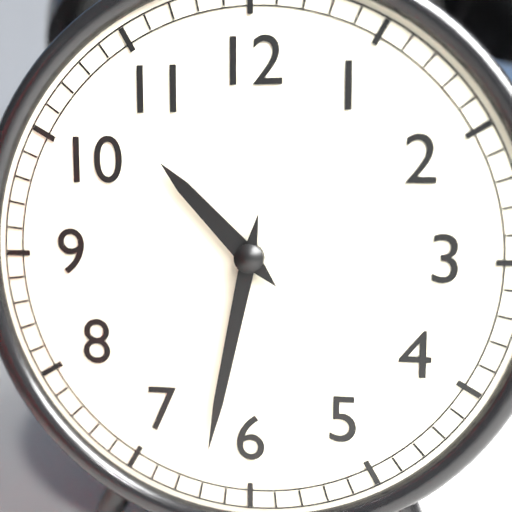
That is 10.32
